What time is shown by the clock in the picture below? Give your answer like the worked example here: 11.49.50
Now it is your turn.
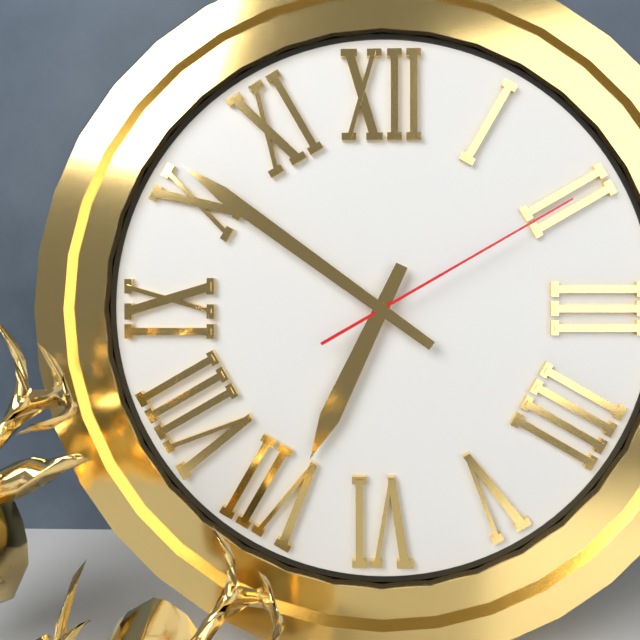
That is 6.51.10
